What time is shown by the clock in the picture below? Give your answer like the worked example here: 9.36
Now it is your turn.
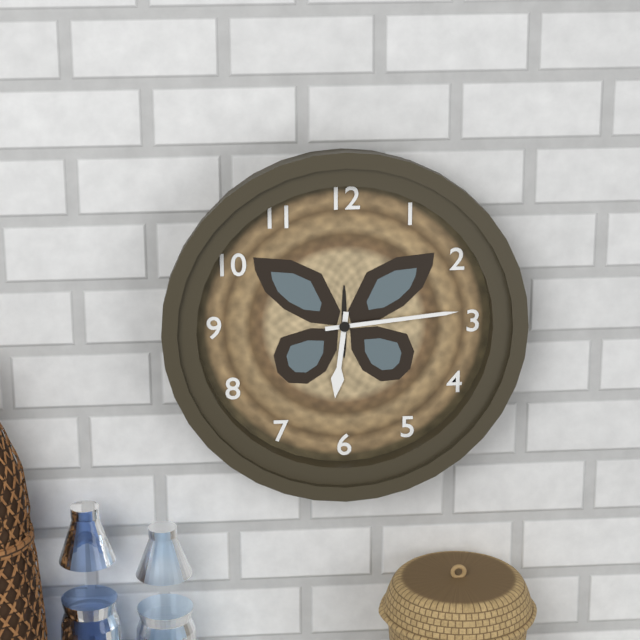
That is 6.14
